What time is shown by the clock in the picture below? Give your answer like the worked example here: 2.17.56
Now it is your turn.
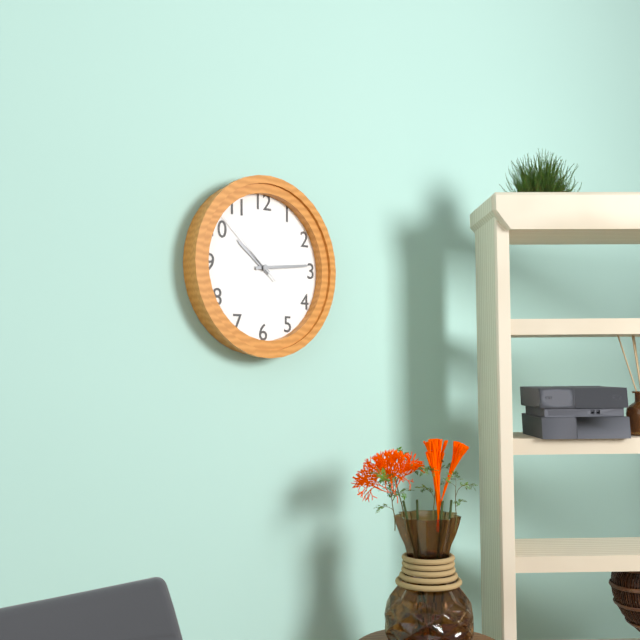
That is 10.14.52
